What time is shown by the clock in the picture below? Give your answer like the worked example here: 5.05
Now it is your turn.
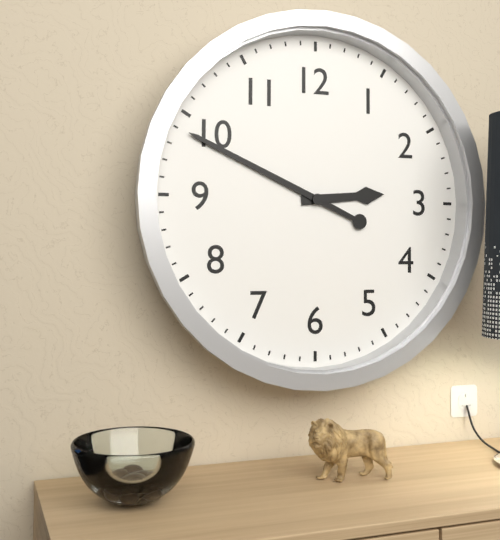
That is 2.49
